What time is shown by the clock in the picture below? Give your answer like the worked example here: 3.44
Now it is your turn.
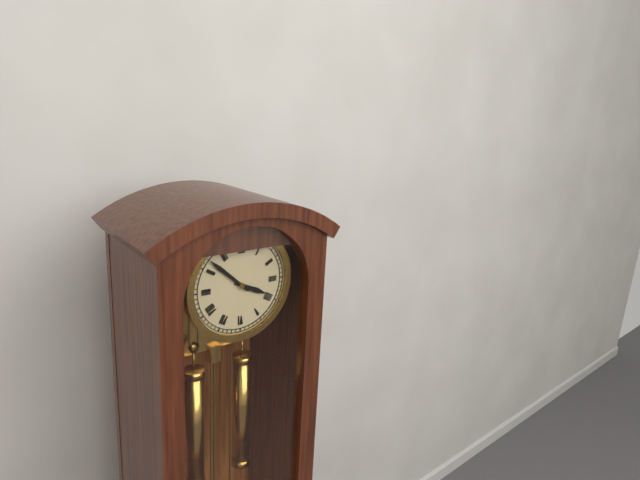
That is 3.52
